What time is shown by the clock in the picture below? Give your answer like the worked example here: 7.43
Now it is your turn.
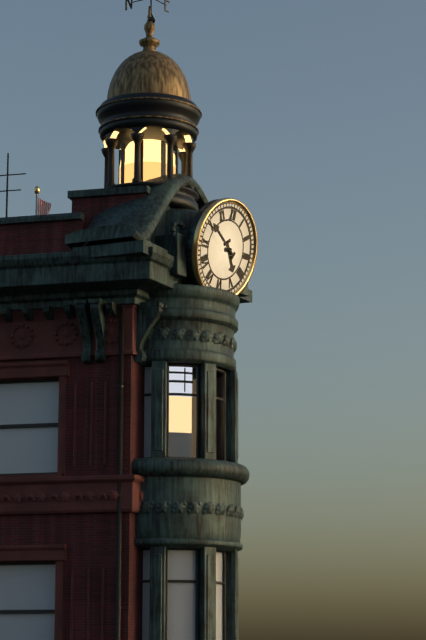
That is 4.50
